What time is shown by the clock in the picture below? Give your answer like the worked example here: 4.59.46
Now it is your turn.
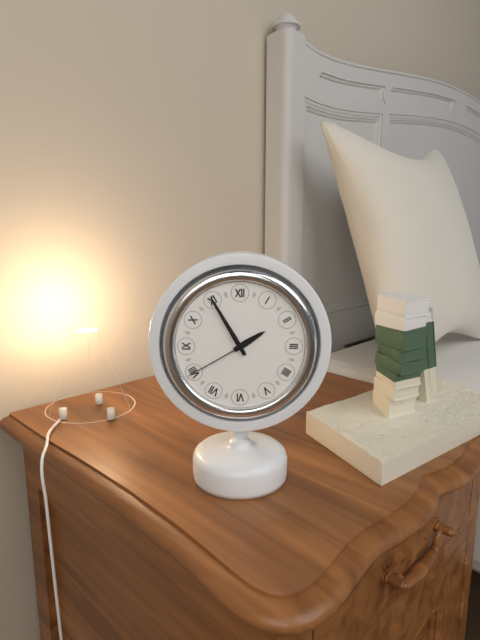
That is 1.55.40
